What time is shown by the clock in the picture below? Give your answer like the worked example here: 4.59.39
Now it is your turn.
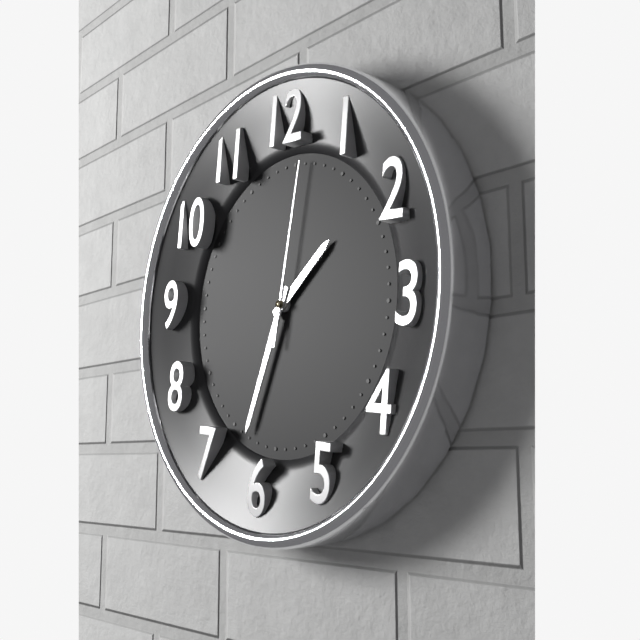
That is 1.33.01
